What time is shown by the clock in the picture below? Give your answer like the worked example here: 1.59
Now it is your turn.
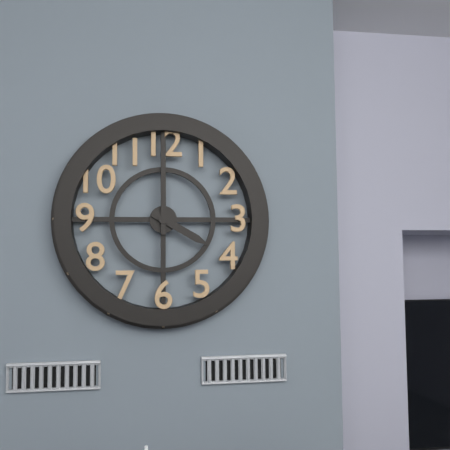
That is 4.00
